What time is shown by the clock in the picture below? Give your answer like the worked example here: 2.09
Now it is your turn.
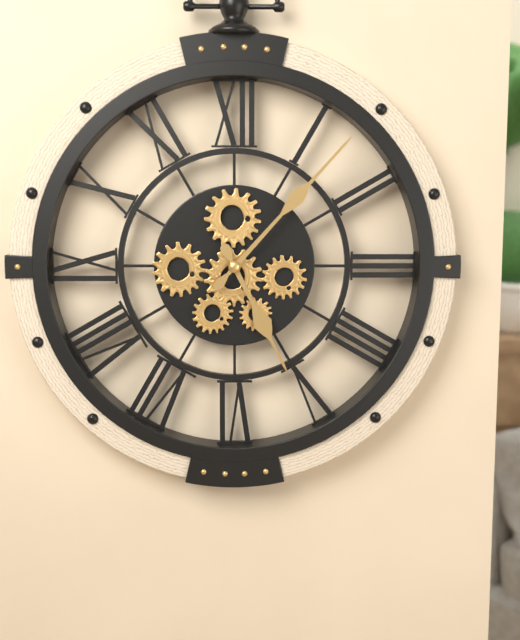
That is 5.07
